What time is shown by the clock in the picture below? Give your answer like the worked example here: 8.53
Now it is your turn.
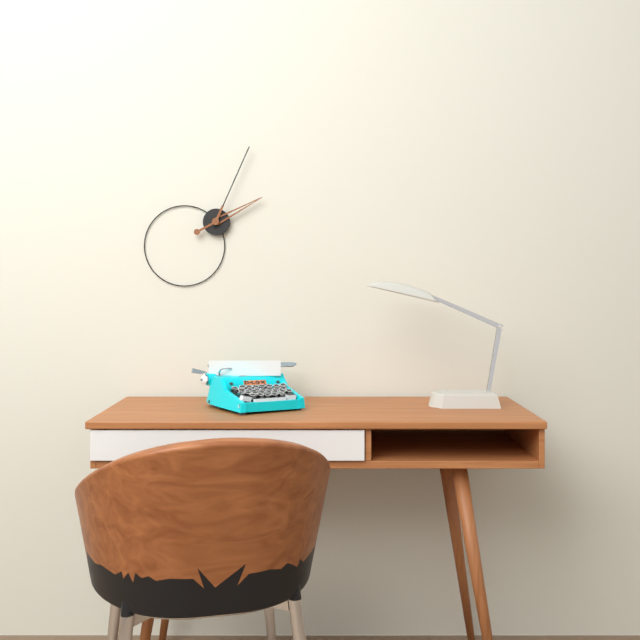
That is 2.04
